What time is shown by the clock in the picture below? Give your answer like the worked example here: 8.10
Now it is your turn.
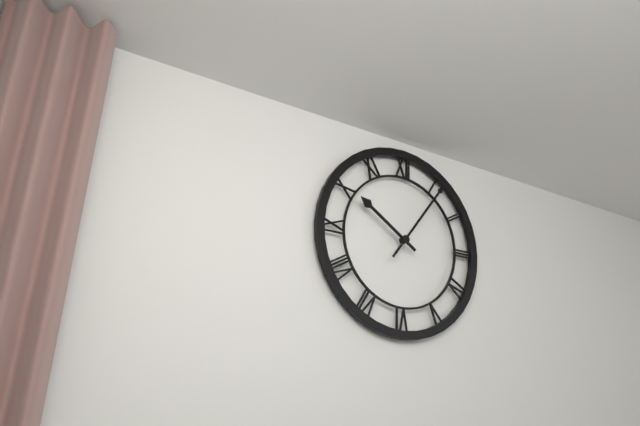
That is 10.06
